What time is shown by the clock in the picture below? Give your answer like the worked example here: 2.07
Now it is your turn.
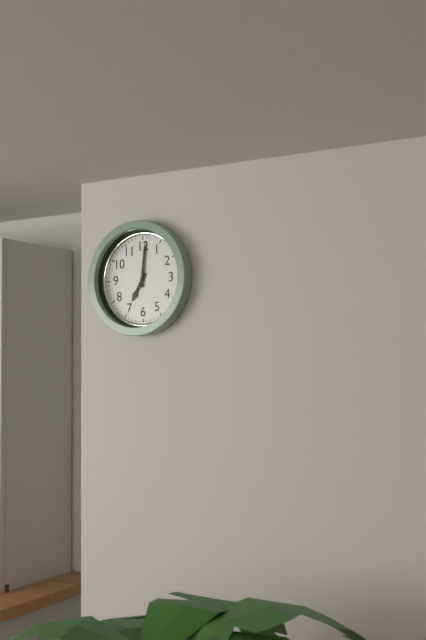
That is 7.01
